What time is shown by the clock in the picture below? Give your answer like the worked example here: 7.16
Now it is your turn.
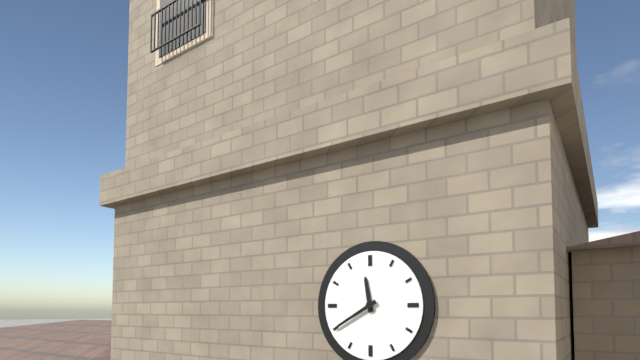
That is 11.40
